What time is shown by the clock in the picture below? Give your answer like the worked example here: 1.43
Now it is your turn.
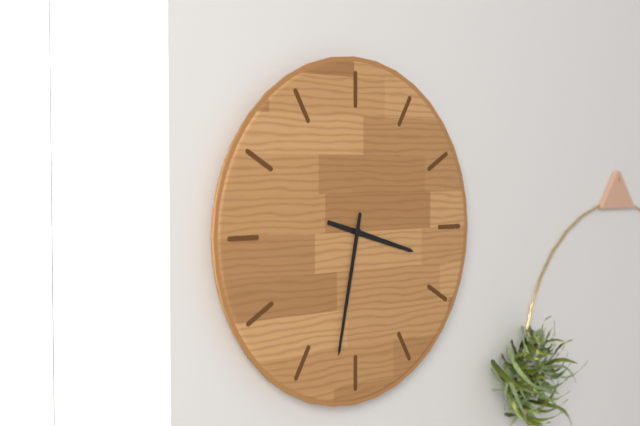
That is 3.32
